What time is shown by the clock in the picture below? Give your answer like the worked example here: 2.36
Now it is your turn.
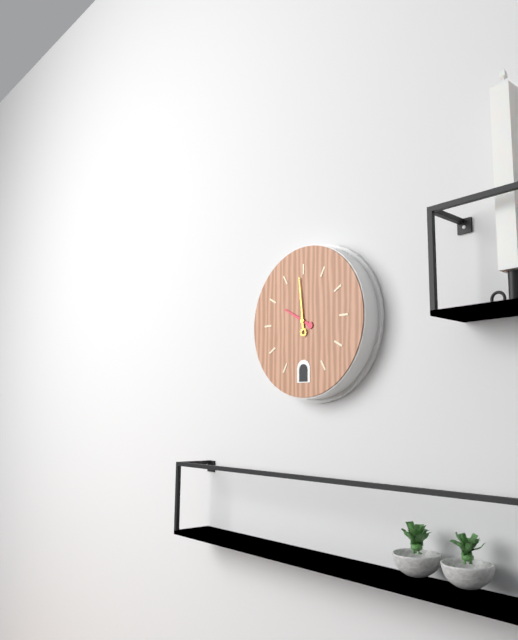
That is 9.59
